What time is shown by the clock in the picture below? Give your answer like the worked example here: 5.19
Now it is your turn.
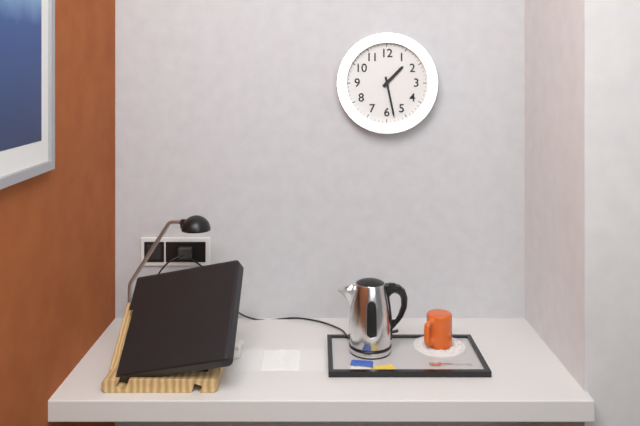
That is 1.28
